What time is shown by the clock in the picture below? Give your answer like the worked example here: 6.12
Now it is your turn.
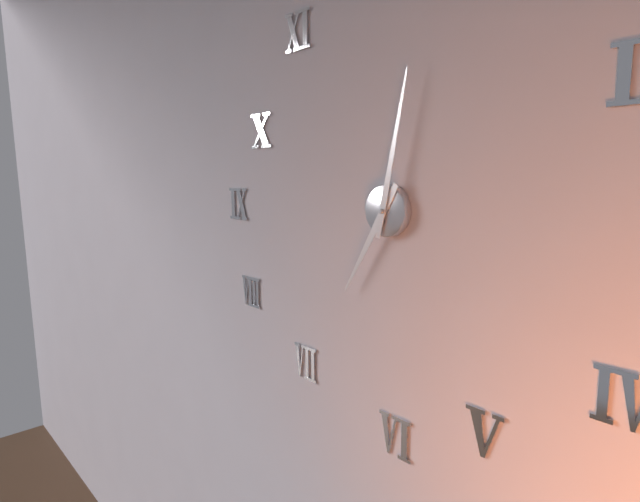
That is 7.02
